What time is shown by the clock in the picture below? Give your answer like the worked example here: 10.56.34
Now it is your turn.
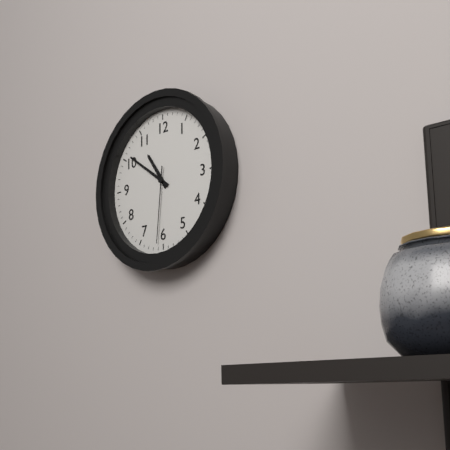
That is 10.51.31
